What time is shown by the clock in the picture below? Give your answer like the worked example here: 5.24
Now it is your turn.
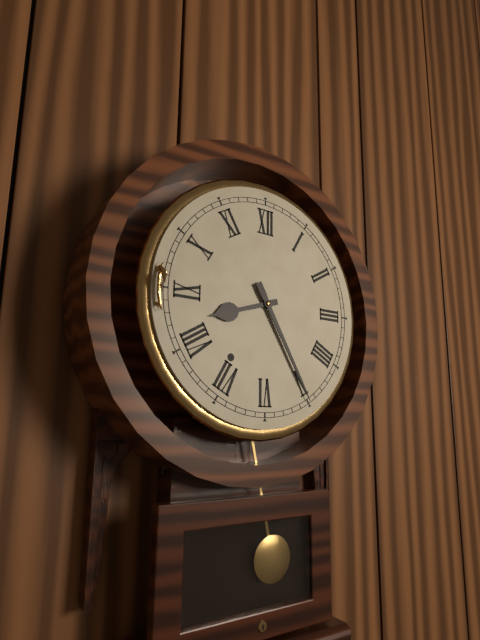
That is 8.25
